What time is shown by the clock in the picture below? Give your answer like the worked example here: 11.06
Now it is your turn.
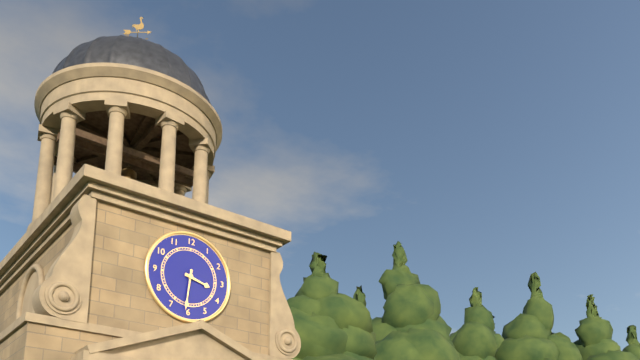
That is 3.31
